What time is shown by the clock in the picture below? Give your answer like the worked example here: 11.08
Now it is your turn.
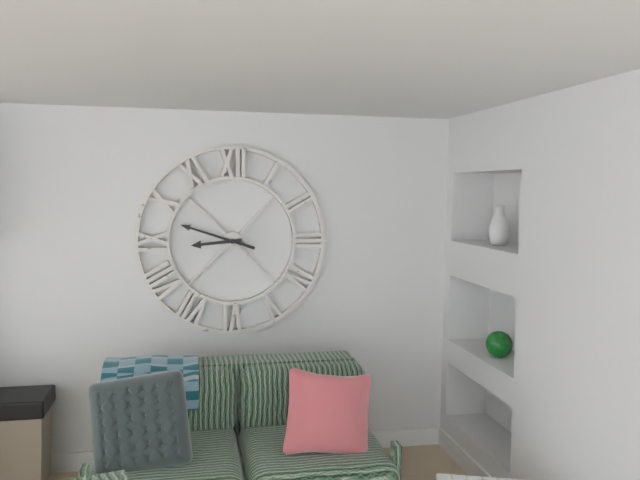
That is 8.48
